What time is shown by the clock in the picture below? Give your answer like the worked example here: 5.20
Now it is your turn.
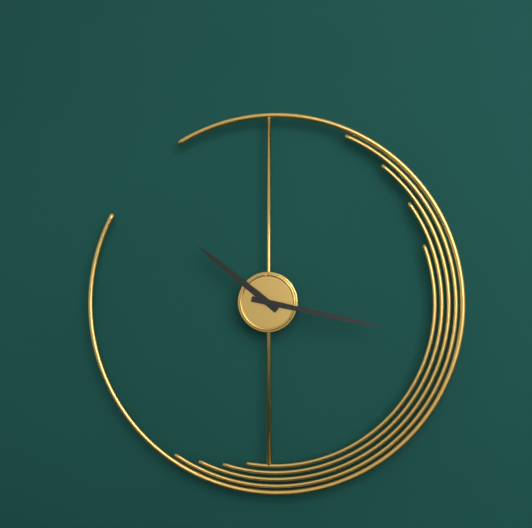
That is 10.17
